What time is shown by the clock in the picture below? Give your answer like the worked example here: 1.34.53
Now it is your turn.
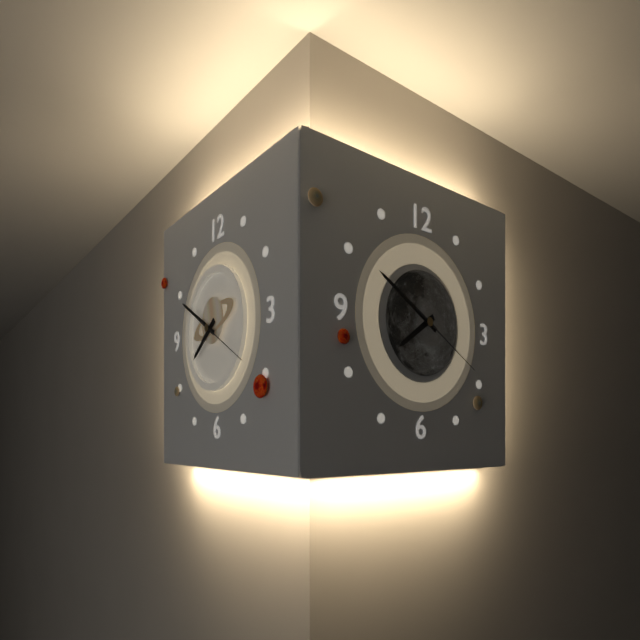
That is 7.50.20
